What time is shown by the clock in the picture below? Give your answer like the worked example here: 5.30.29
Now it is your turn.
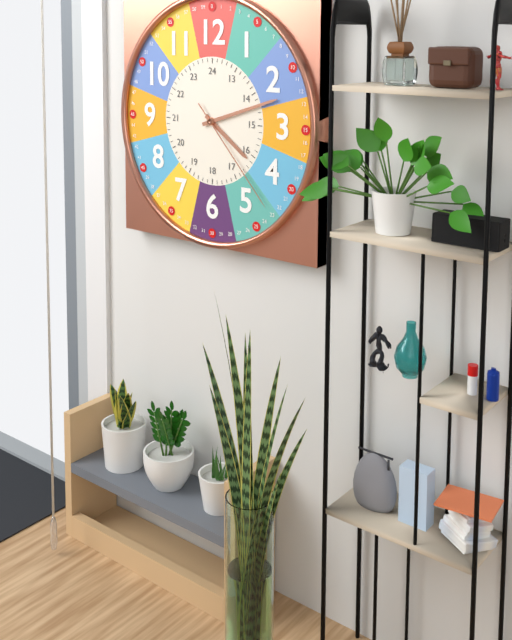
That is 4.12.23
